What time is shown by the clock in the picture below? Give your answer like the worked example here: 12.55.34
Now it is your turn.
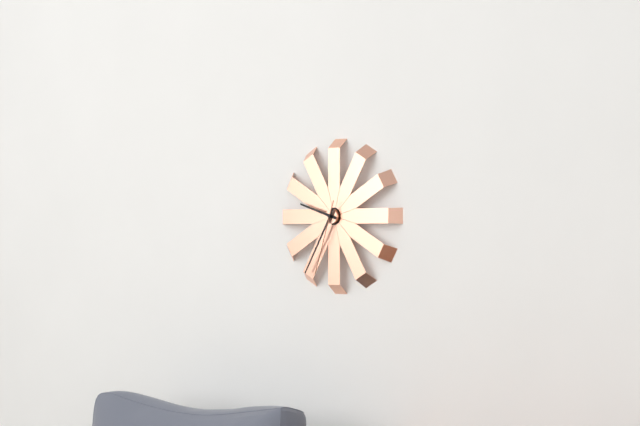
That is 9.35.33
